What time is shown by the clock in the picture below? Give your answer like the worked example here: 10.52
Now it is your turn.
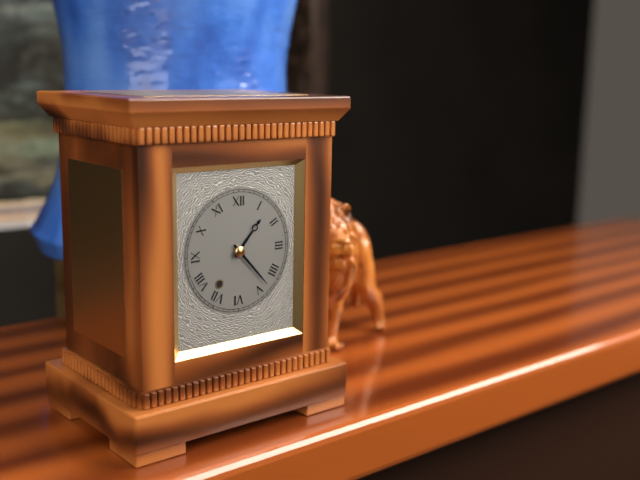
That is 1.23
